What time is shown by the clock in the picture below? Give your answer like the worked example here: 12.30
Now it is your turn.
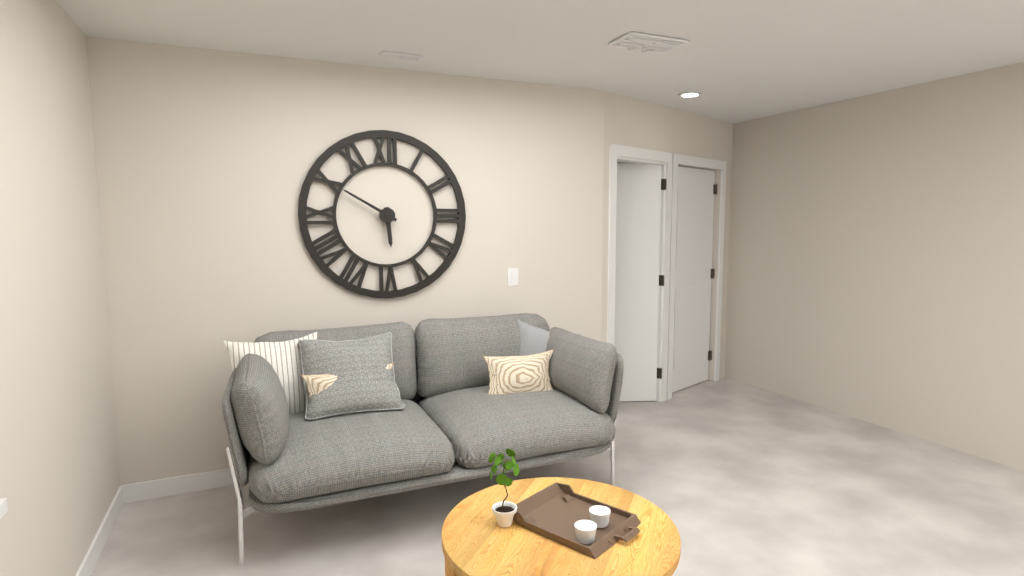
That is 5.50
